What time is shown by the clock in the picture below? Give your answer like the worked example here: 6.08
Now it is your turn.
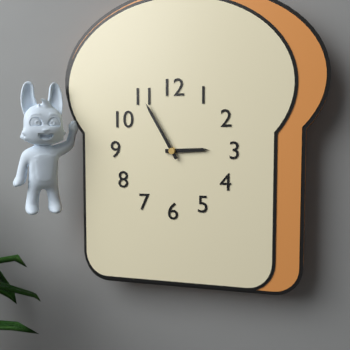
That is 2.55
